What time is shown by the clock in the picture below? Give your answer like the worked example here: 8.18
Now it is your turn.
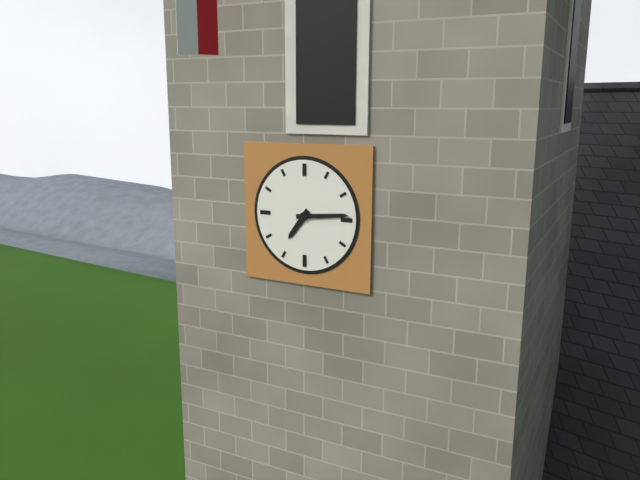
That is 7.14
